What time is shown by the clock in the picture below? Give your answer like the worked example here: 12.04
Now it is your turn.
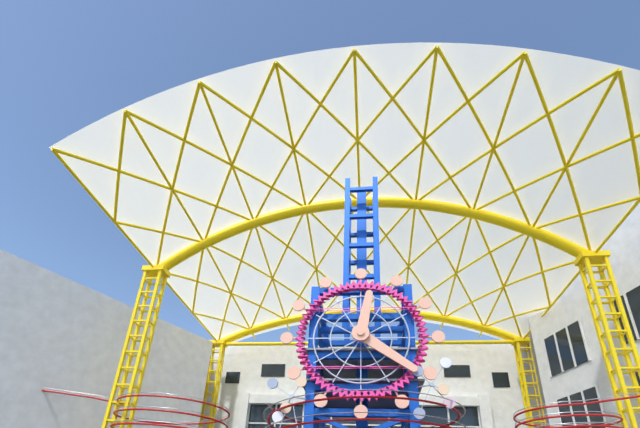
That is 12.21
